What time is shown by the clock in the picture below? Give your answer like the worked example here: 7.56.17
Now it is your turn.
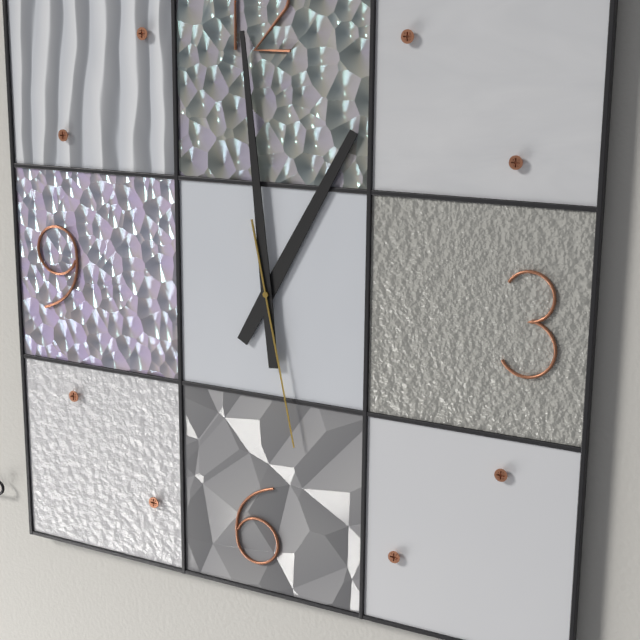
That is 12.59.28
